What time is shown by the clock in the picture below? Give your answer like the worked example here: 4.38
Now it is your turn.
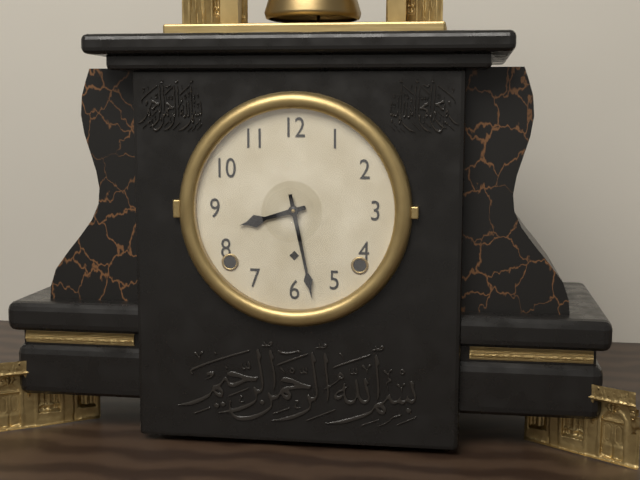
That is 8.28
